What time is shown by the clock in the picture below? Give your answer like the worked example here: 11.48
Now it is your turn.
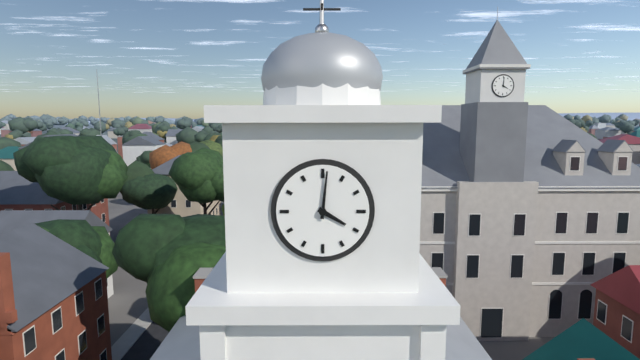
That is 4.01
